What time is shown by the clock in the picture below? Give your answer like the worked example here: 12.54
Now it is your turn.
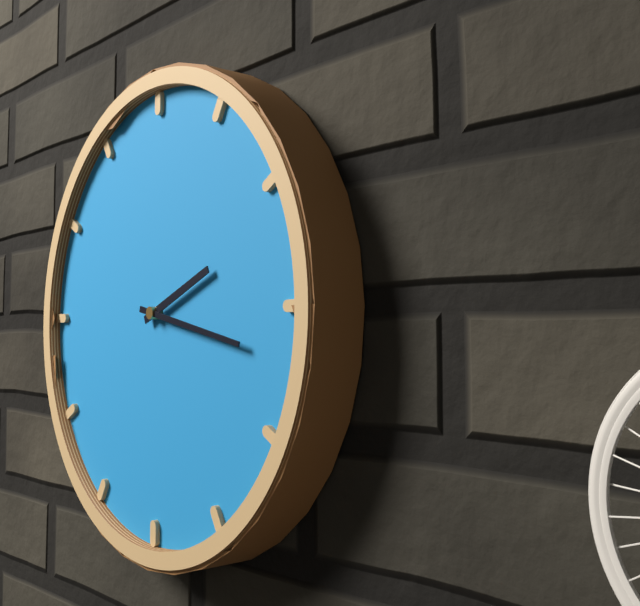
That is 2.17
